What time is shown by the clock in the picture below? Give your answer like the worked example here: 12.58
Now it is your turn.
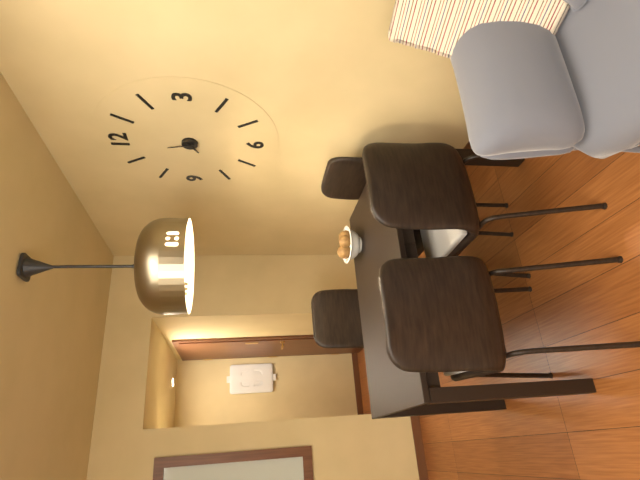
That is 7.58
